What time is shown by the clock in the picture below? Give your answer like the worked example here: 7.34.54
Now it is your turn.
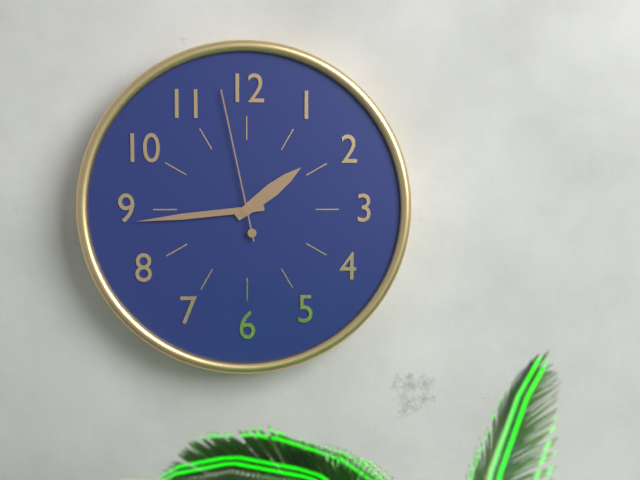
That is 1.44.58
